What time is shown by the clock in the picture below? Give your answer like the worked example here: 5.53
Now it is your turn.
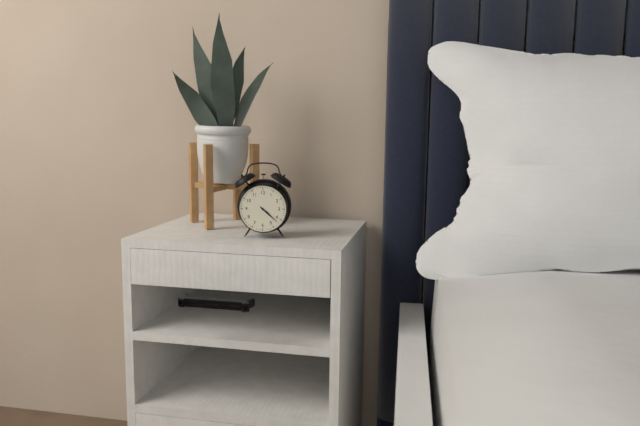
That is 4.22
